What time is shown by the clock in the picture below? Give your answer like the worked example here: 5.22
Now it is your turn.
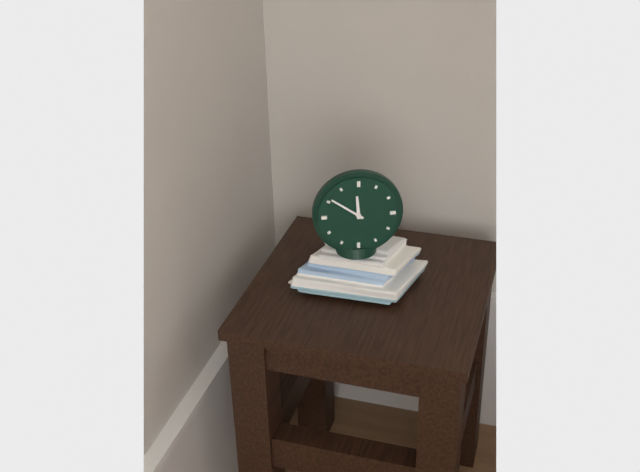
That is 11.51
